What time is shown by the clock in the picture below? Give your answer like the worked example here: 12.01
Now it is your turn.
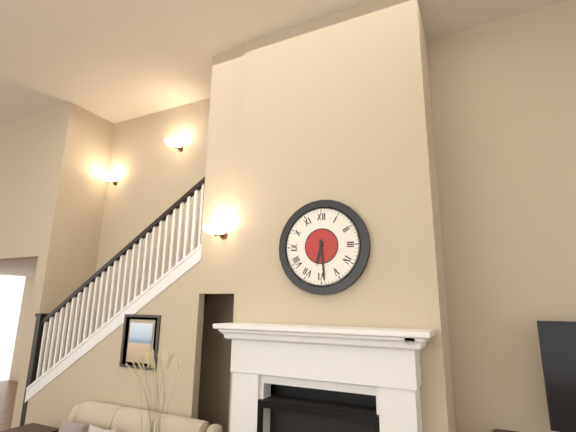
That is 6.29
